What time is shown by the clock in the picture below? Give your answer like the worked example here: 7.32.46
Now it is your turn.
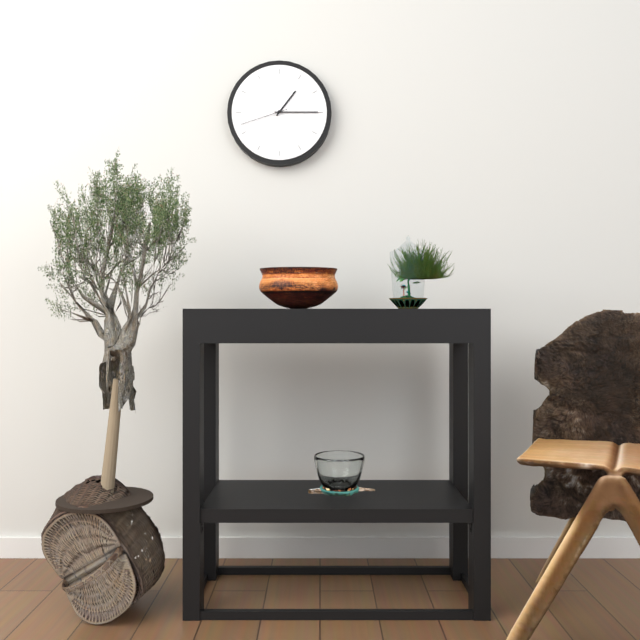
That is 1.15.42
